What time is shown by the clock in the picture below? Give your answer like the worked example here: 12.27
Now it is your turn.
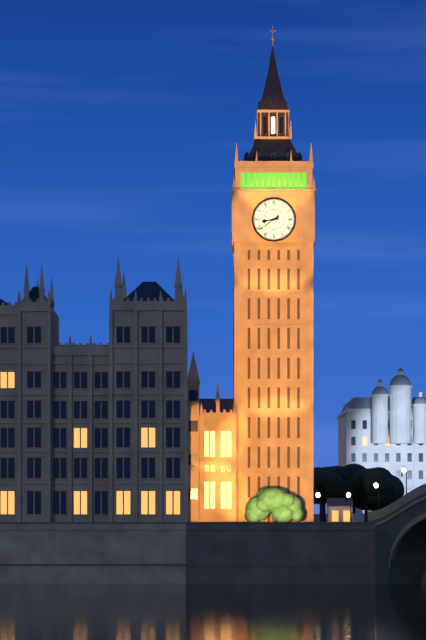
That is 8.39
